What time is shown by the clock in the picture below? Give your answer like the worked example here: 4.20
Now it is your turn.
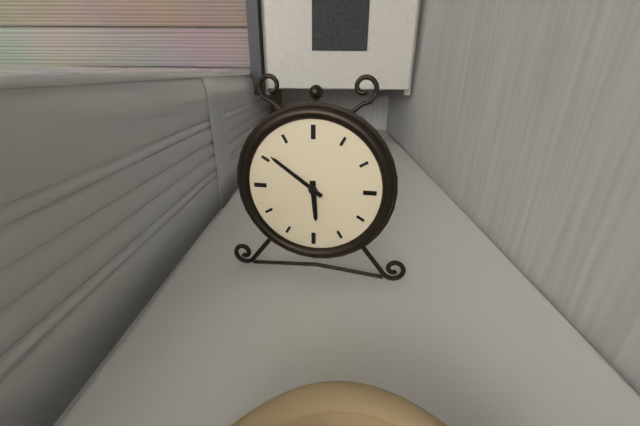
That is 5.51
